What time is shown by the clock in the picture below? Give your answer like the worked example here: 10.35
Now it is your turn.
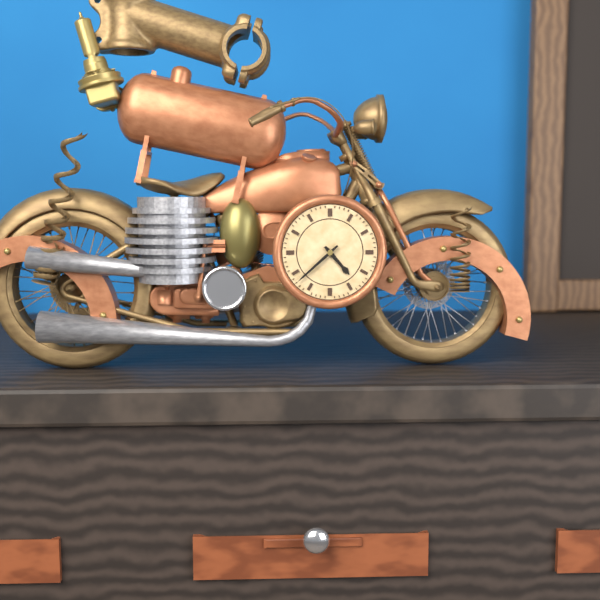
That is 4.38
